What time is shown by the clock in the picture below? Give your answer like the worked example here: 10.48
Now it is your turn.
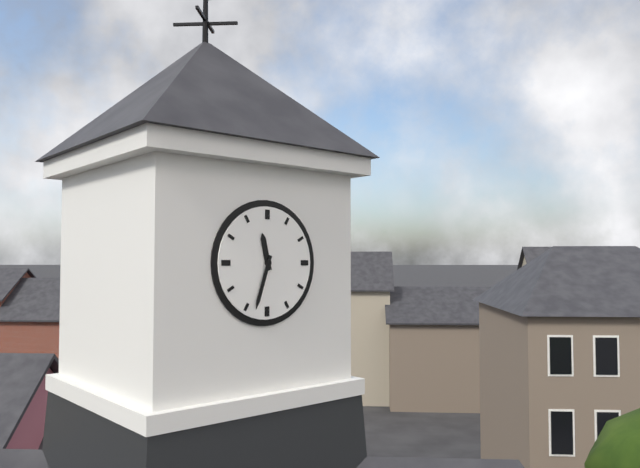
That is 11.33
